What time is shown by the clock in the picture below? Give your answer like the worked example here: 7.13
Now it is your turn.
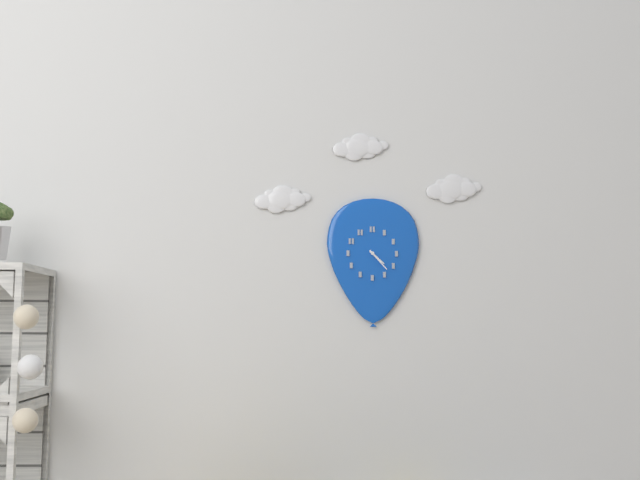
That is 4.23
